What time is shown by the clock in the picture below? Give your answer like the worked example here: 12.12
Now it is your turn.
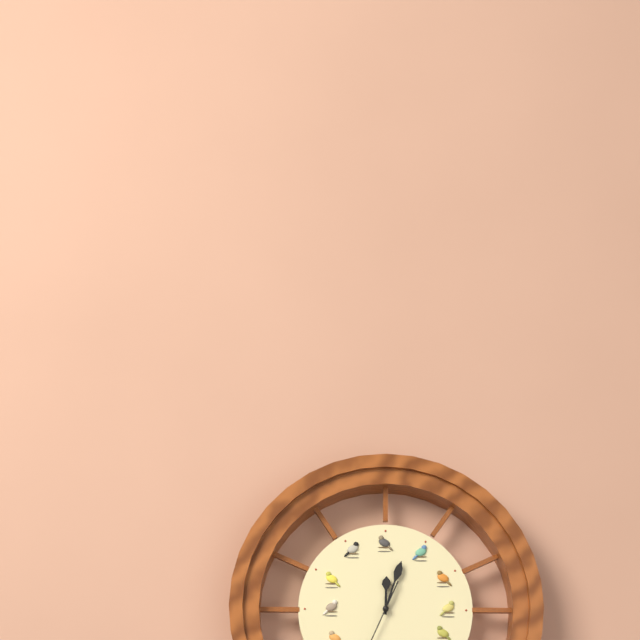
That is 12.03
